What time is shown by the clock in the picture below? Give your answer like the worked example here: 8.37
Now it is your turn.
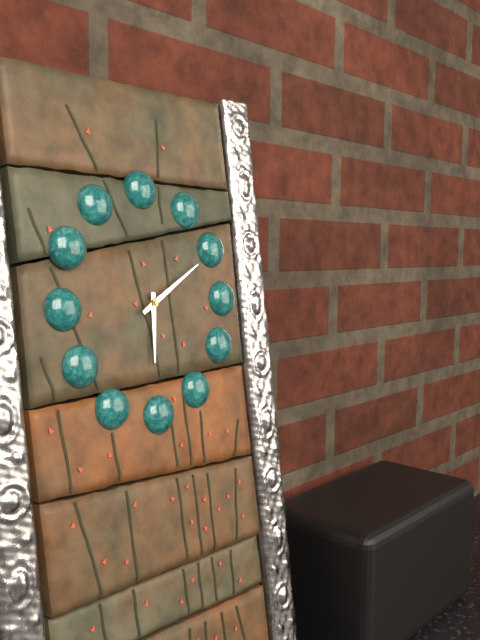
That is 6.10
